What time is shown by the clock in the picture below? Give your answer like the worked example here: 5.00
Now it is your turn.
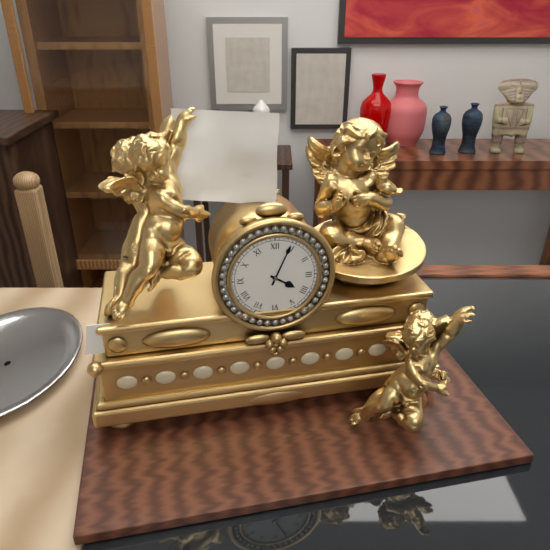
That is 4.04
